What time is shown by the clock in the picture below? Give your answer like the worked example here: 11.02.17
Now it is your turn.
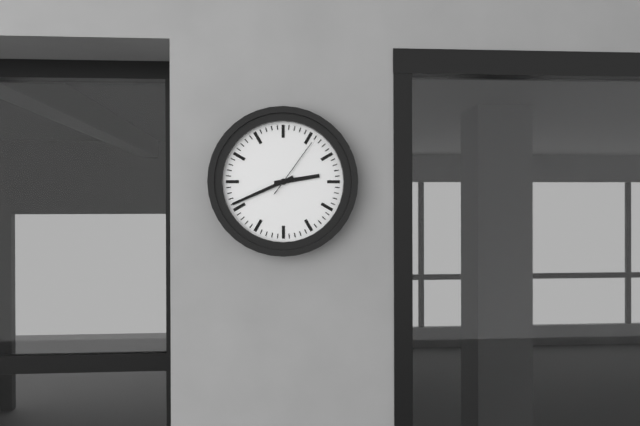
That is 2.41.06
